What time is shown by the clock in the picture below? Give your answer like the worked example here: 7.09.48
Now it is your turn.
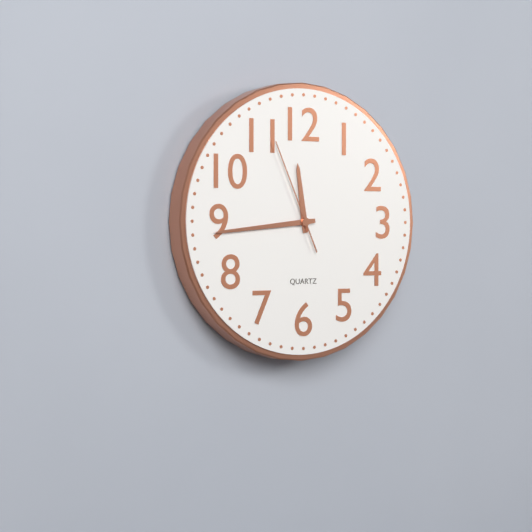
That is 11.44.56
